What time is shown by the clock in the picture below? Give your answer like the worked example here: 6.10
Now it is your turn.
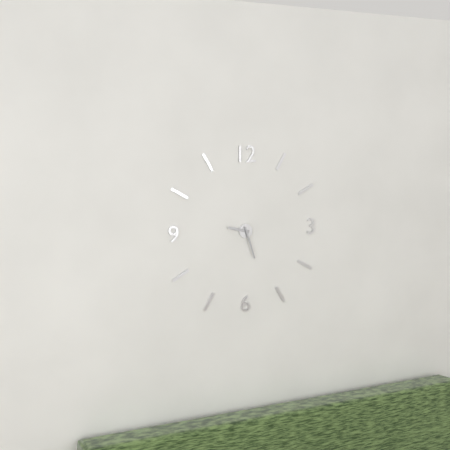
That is 9.27
